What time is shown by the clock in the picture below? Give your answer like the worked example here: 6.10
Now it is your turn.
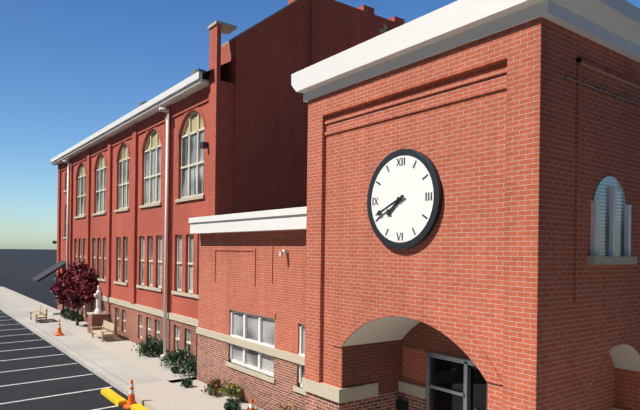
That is 7.41
